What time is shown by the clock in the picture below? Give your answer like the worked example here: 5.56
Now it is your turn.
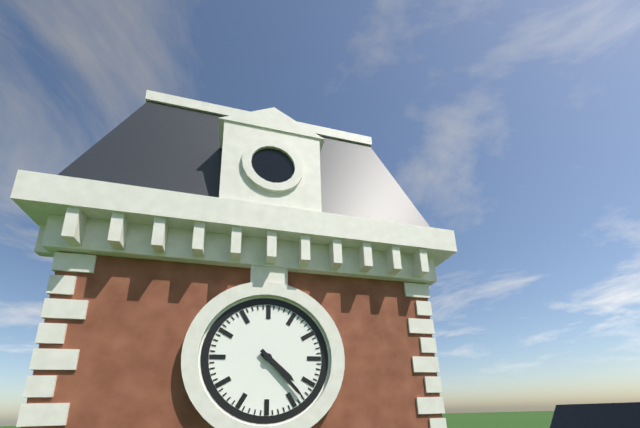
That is 4.23
